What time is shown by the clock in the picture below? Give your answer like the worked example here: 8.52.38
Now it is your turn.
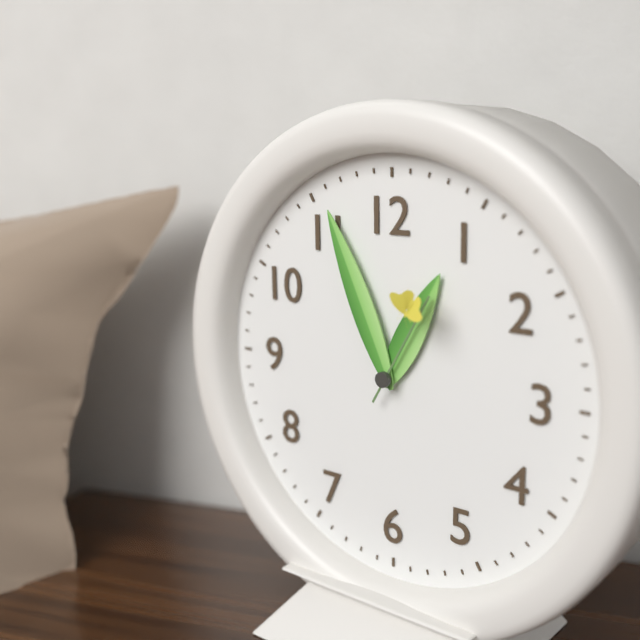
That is 12.56.05
